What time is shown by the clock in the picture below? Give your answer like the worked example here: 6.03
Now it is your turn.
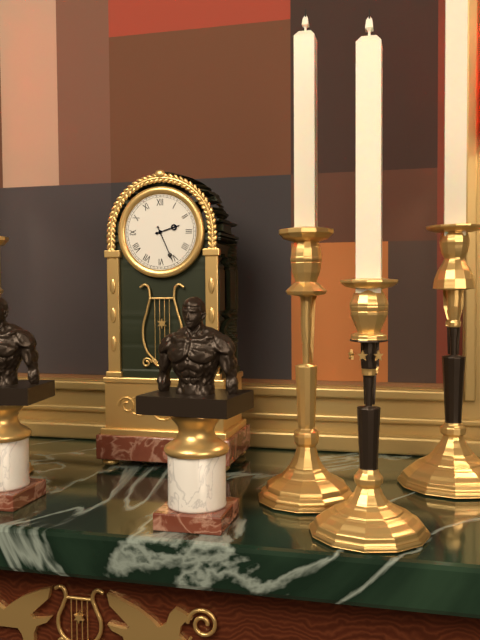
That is 2.26
